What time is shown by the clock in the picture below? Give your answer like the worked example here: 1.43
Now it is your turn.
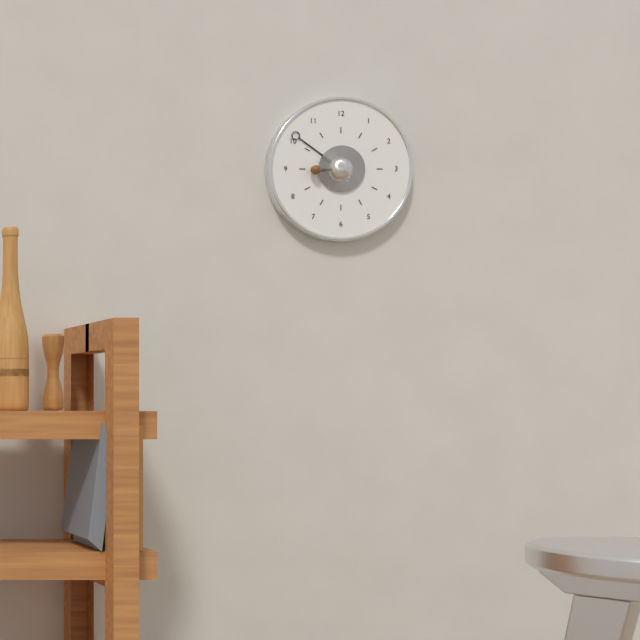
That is 8.51
